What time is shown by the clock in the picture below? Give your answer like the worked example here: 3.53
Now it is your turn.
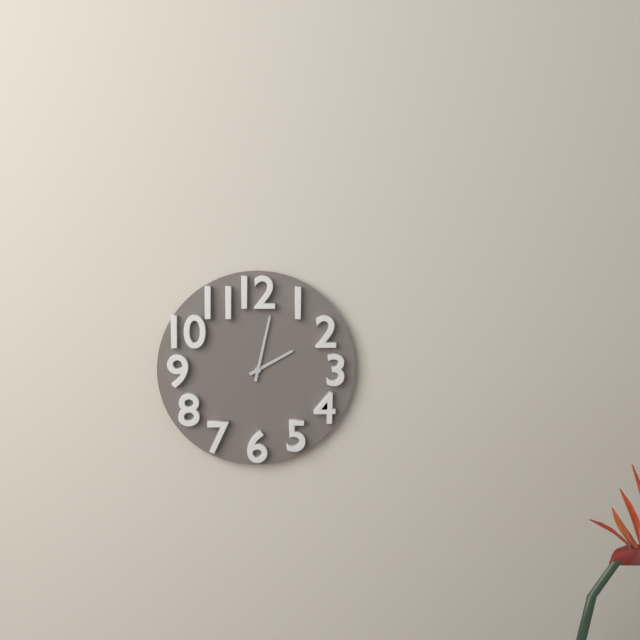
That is 2.02
